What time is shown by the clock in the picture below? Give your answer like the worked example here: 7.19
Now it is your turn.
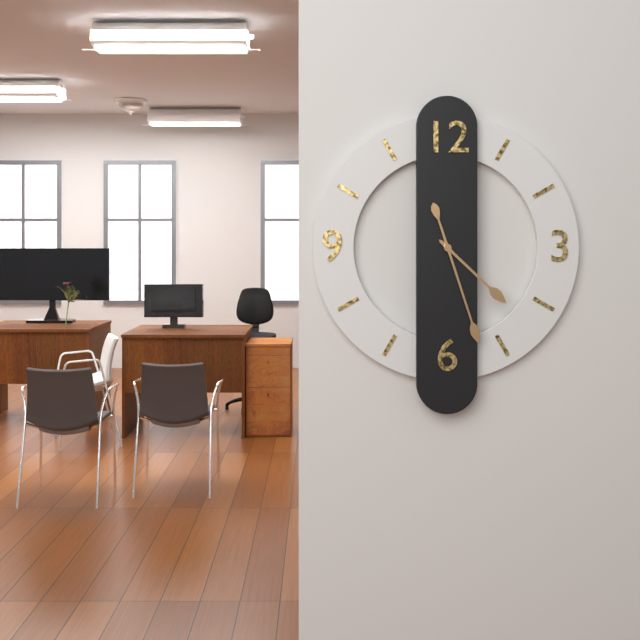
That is 4.27
